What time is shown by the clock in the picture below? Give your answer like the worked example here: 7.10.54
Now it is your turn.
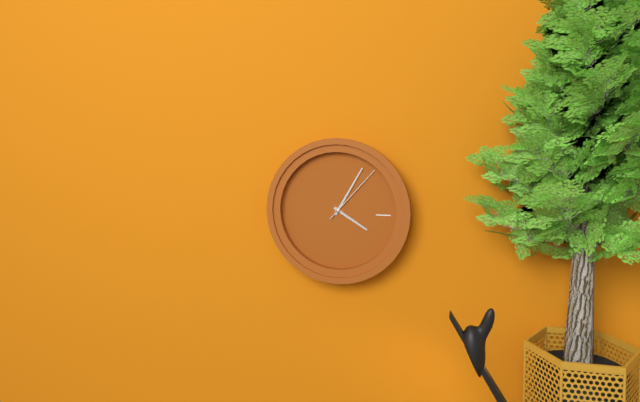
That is 4.05.07
